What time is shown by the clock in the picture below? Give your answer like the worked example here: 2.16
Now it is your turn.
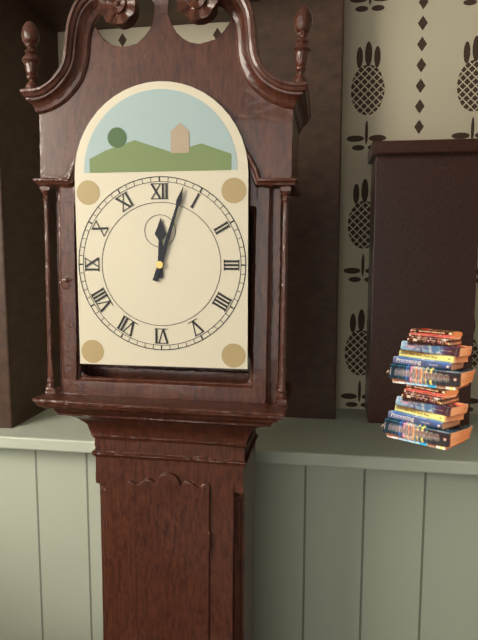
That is 12.03
